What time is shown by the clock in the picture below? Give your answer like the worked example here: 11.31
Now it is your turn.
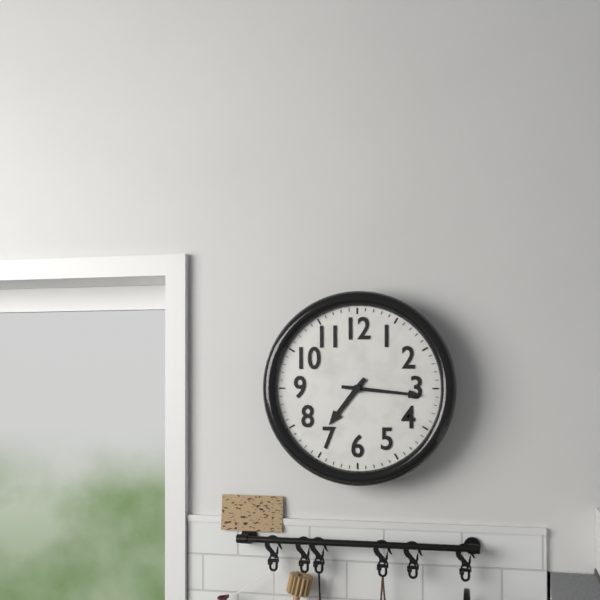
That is 7.16
